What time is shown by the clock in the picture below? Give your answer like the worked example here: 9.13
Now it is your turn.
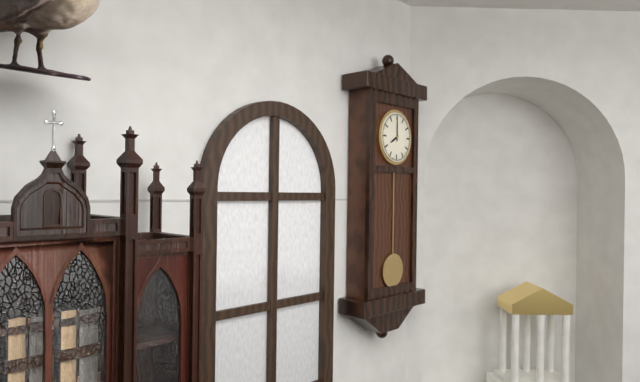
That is 8.00
